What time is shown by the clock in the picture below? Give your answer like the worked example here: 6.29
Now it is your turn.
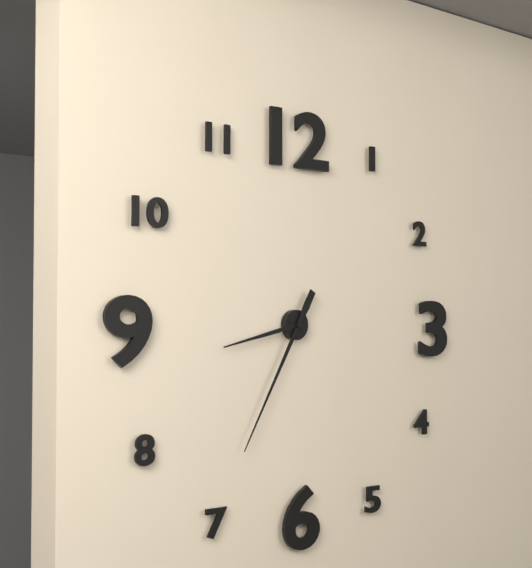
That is 8.35
